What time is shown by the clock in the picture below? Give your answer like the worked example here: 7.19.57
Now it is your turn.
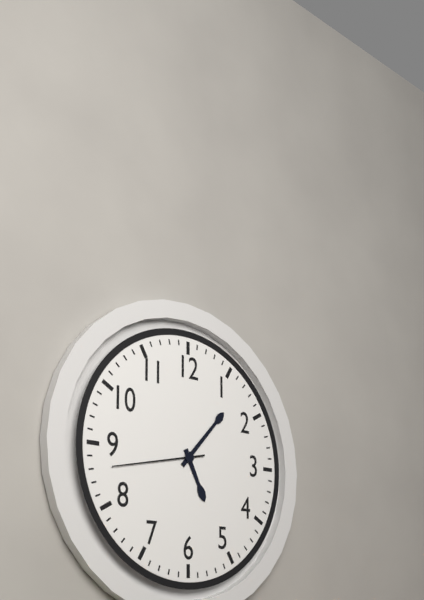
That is 5.07.43
